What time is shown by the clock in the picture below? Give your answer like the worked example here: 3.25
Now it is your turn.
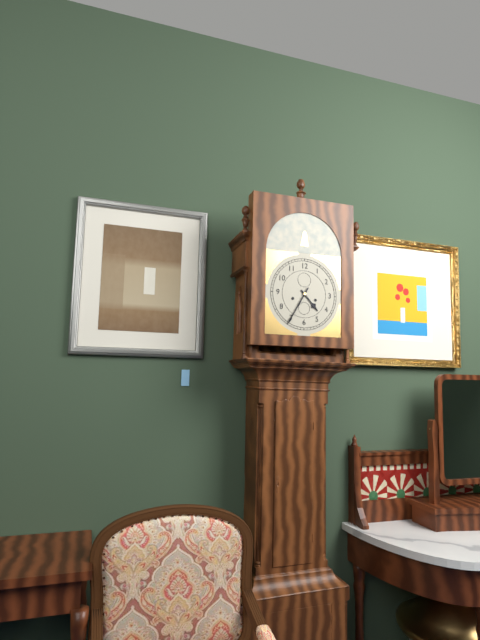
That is 4.35
